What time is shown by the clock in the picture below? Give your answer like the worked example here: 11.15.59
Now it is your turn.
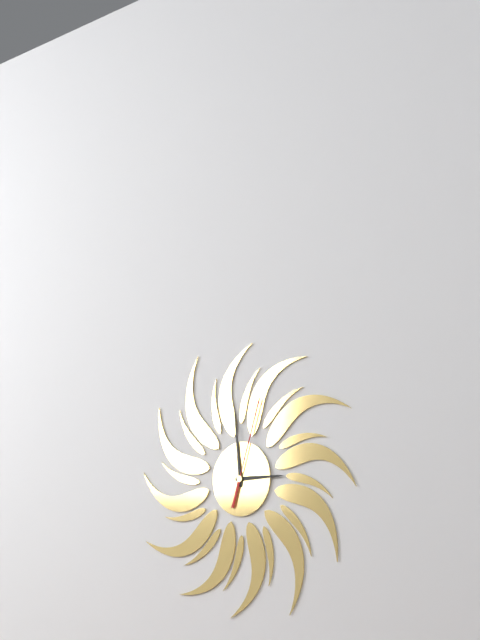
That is 2.59.03
